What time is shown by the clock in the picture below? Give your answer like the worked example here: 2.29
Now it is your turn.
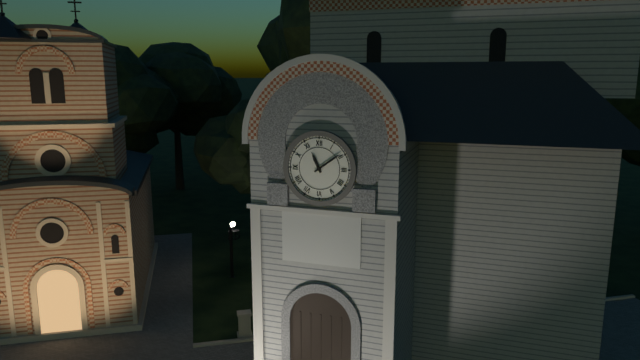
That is 11.09
